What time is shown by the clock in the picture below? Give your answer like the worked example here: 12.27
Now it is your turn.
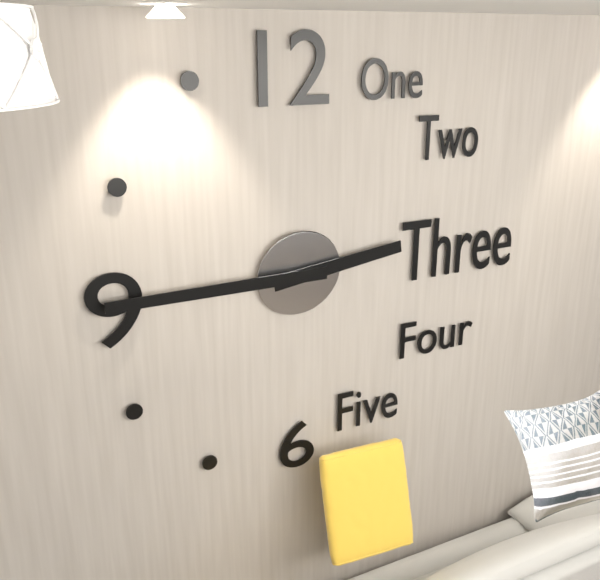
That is 2.45
